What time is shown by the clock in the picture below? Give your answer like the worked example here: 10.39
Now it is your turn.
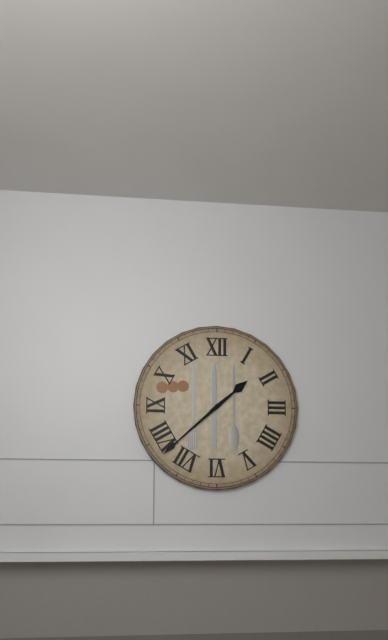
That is 1.38
